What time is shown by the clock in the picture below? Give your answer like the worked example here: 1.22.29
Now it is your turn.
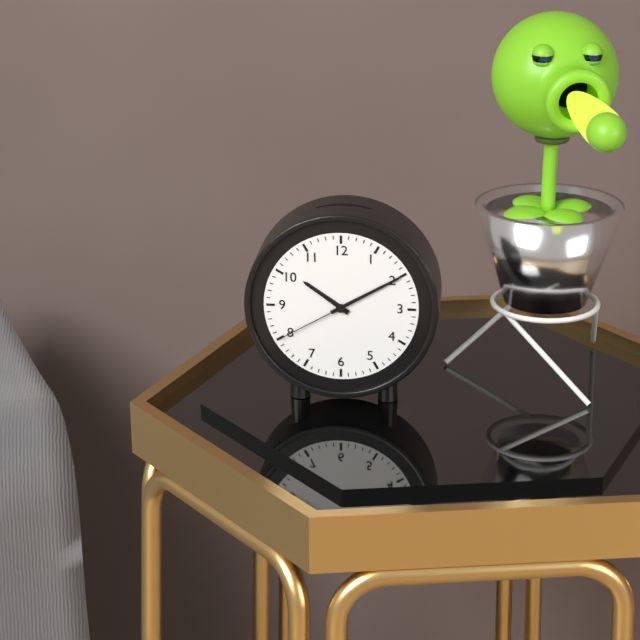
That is 10.10.40
